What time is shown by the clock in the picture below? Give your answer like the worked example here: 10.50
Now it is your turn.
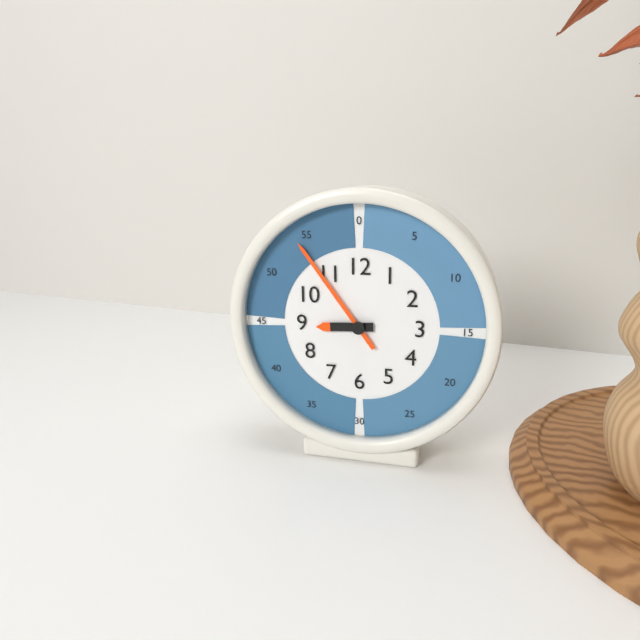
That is 8.54
